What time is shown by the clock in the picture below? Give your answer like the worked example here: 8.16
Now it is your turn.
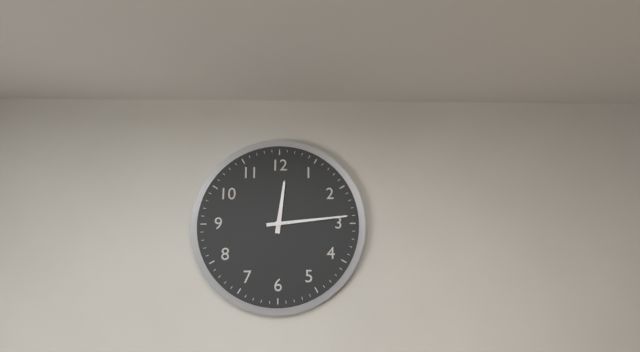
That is 12.14
